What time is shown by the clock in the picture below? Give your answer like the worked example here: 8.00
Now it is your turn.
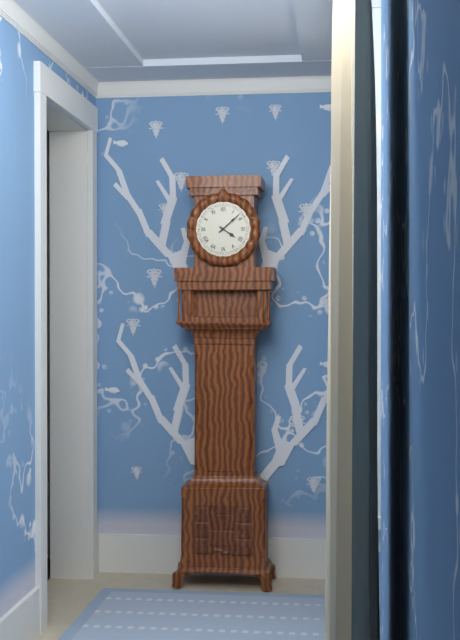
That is 4.08
